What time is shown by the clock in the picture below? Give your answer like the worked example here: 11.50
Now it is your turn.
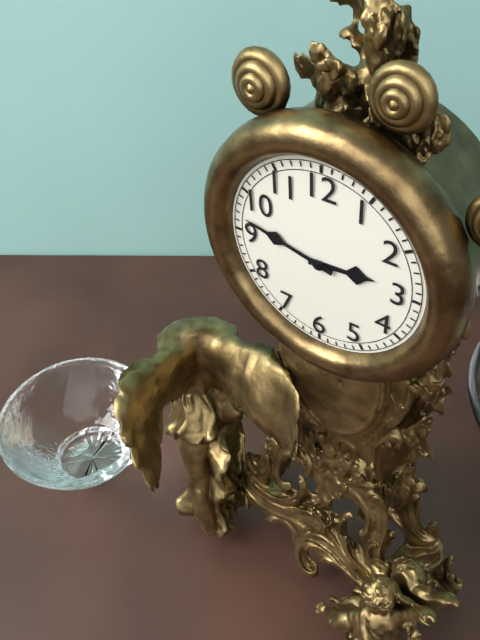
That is 2.47
